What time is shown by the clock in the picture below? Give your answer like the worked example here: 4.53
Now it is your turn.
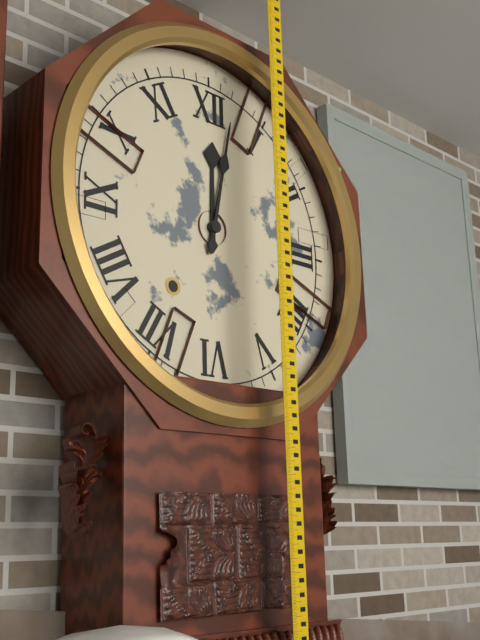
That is 12.02
